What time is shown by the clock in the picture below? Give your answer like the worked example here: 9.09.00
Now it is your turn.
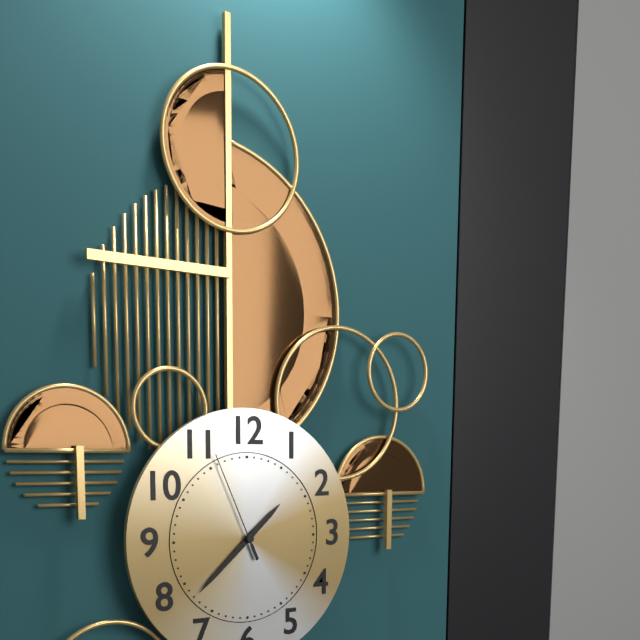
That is 1.38.56
